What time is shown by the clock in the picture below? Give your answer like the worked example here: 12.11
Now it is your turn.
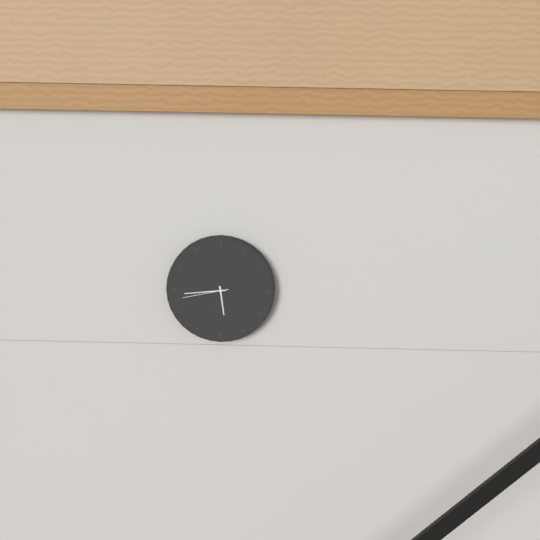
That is 5.44
